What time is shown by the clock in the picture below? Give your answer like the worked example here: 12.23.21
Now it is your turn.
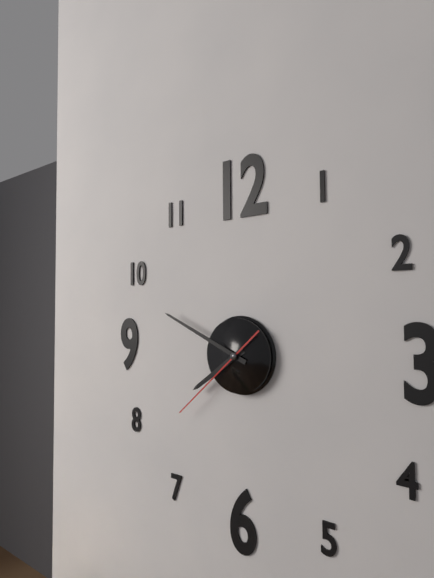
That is 7.49.38
